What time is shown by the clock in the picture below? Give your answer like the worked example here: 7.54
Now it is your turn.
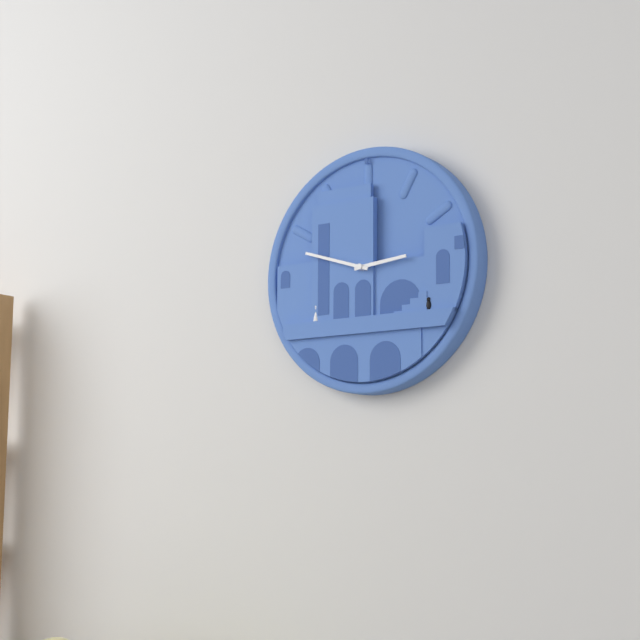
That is 2.48
